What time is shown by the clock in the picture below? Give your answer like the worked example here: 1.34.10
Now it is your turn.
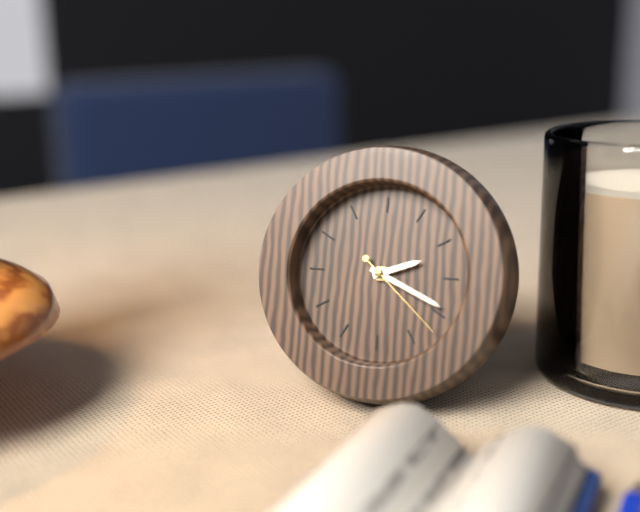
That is 2.19.22
